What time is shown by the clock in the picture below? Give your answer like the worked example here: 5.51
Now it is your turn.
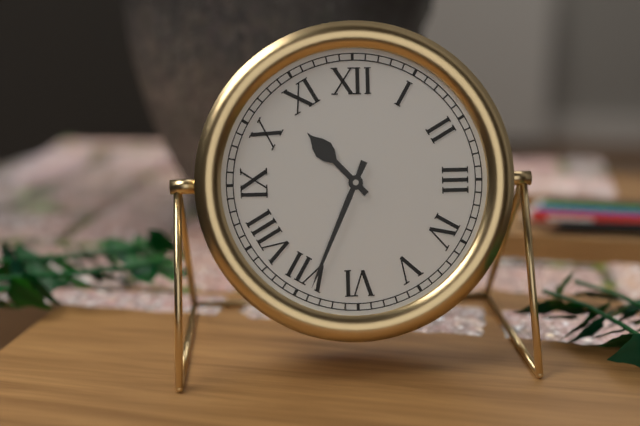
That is 10.34
